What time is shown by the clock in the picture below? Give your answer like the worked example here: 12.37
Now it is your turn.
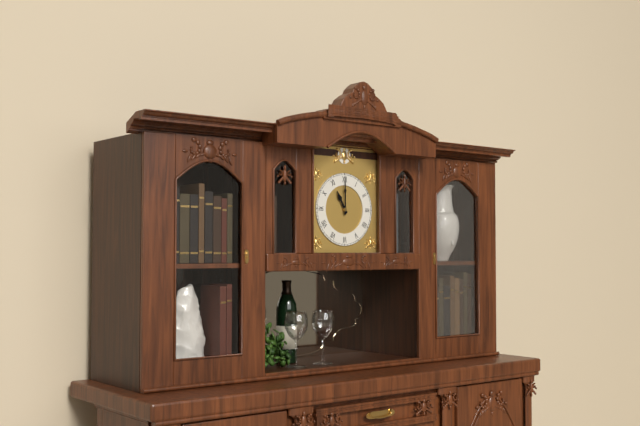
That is 11.00
